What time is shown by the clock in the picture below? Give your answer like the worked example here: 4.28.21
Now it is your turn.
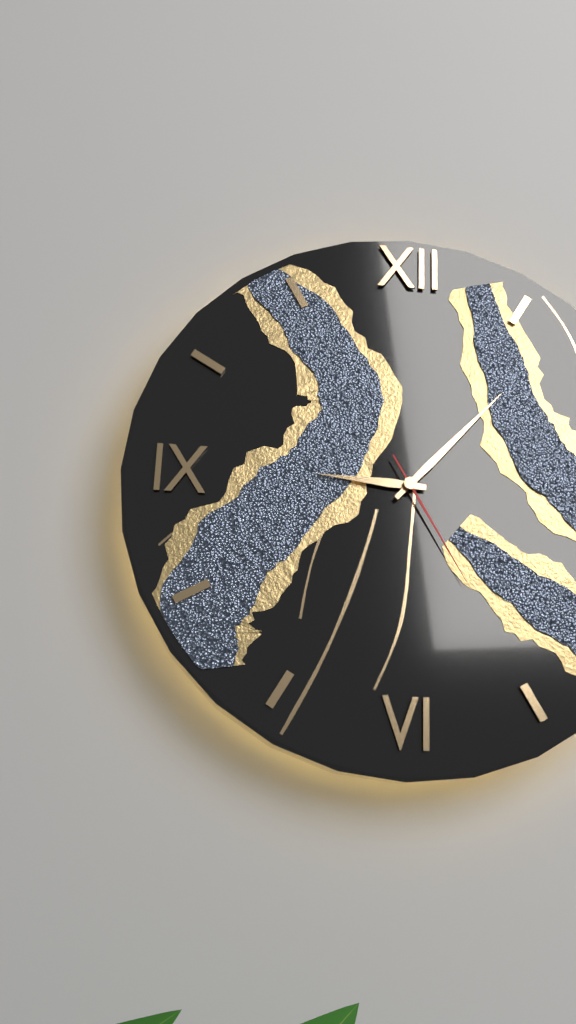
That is 9.07.25
